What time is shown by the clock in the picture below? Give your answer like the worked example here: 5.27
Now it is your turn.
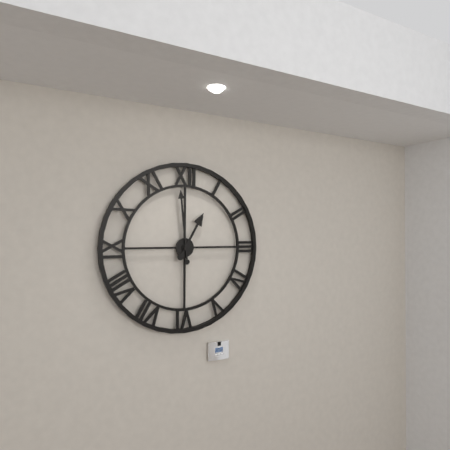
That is 12.59
